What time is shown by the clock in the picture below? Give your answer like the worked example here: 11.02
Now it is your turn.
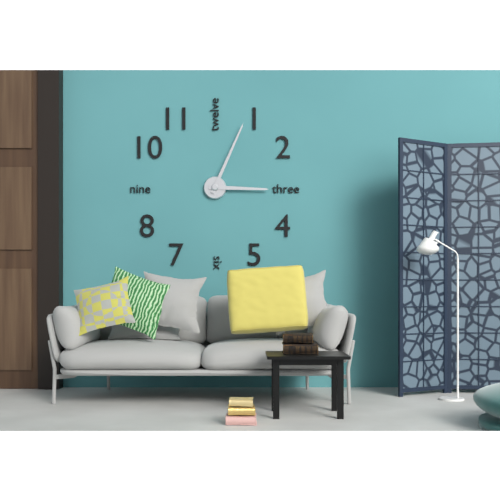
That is 3.04
